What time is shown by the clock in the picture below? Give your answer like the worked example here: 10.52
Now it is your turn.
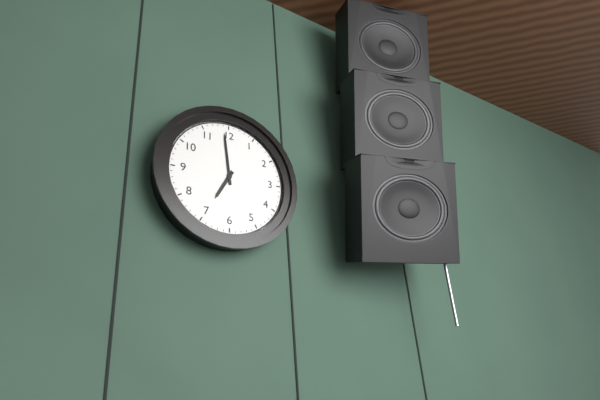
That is 6.59
